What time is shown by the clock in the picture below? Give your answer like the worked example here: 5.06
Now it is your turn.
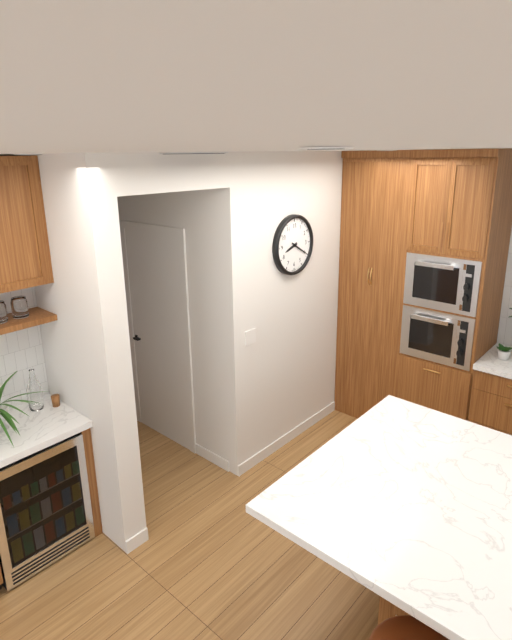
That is 8.20
